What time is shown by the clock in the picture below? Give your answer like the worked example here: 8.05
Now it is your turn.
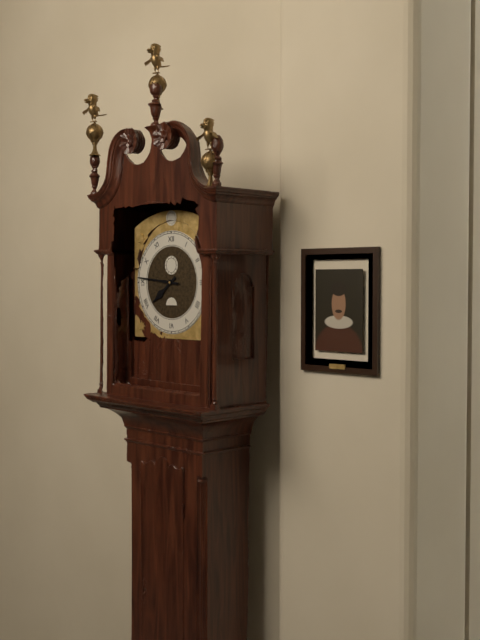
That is 7.46
